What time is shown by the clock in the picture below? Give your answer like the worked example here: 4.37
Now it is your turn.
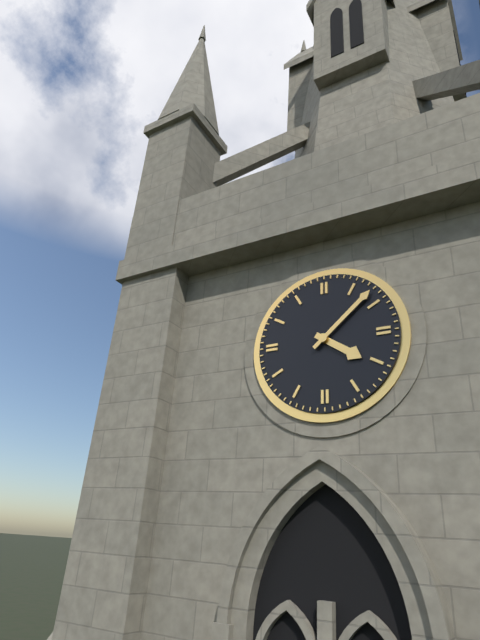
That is 4.08
